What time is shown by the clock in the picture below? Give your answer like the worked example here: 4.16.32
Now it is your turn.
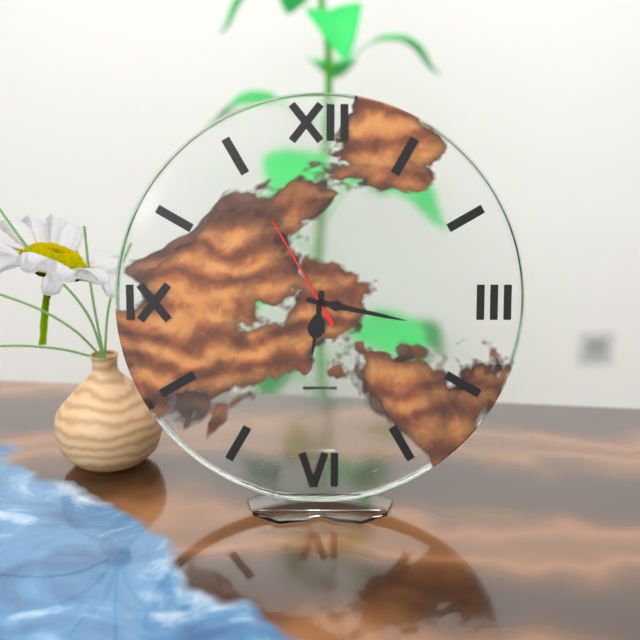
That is 6.17.55
